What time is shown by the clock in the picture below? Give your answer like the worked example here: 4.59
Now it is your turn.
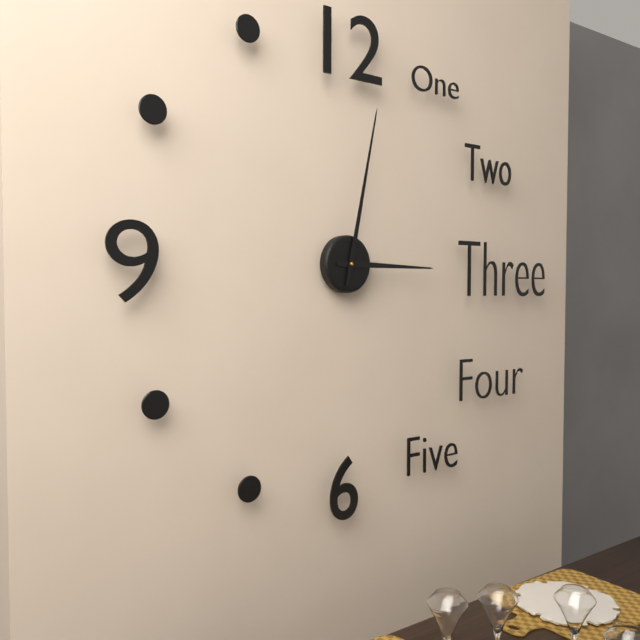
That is 3.02
